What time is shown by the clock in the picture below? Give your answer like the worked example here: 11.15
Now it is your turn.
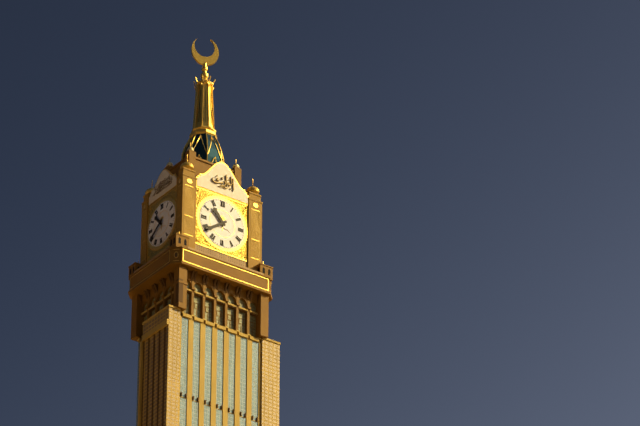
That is 10.39
